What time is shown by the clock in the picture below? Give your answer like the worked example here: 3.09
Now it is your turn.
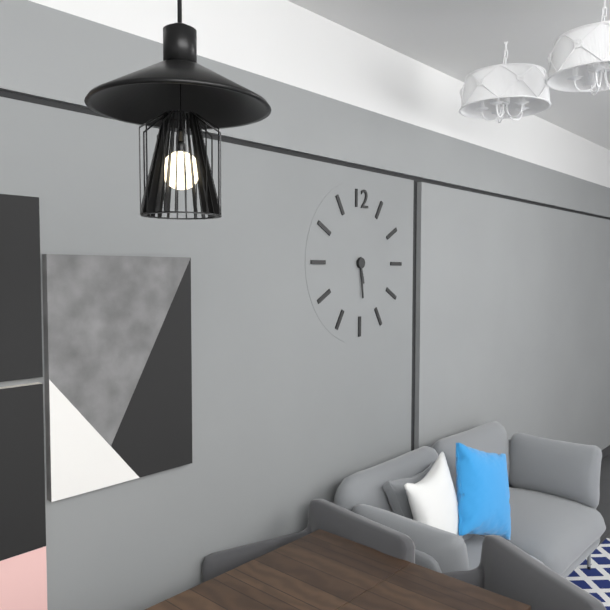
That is 5.29
